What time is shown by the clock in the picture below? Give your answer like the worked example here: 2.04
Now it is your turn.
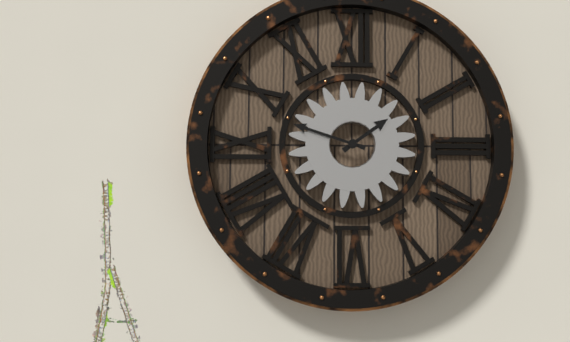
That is 1.48
